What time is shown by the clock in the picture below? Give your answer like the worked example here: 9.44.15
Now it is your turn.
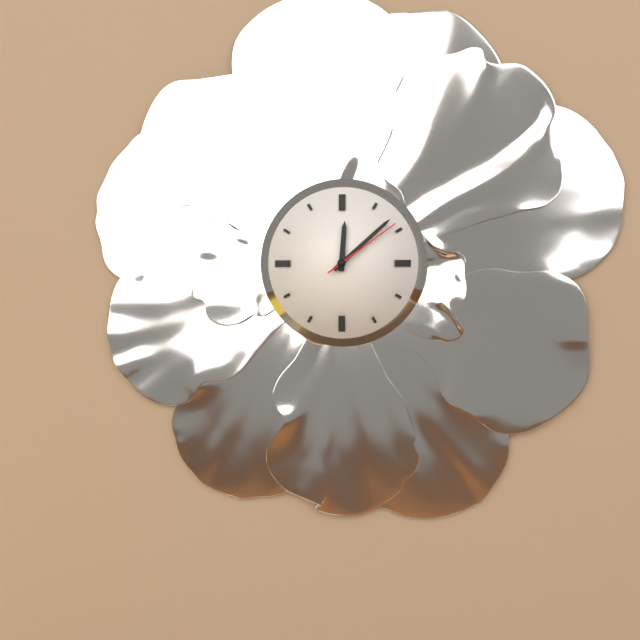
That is 12.08.09
